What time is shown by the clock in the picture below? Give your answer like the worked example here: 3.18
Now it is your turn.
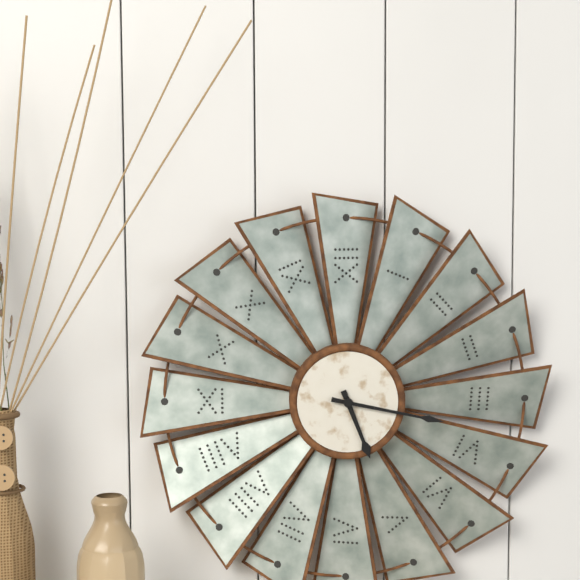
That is 5.17
